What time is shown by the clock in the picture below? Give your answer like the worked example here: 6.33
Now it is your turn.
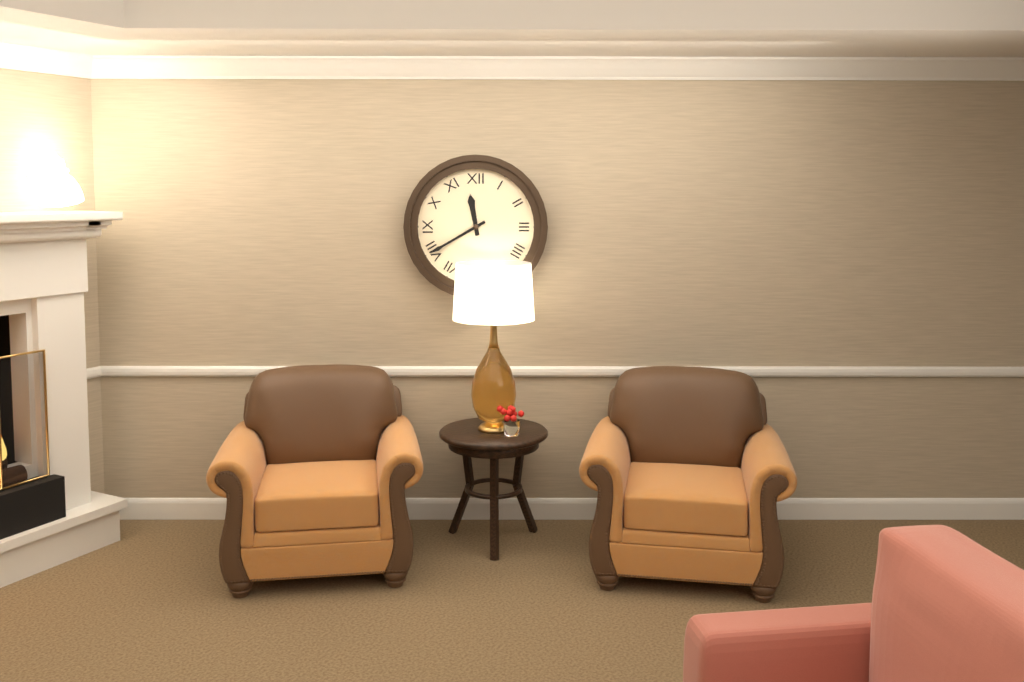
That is 11.40
